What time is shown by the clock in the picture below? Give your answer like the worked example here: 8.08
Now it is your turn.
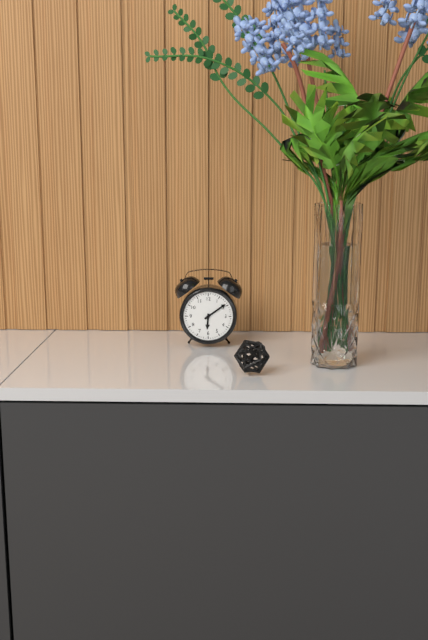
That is 6.09
